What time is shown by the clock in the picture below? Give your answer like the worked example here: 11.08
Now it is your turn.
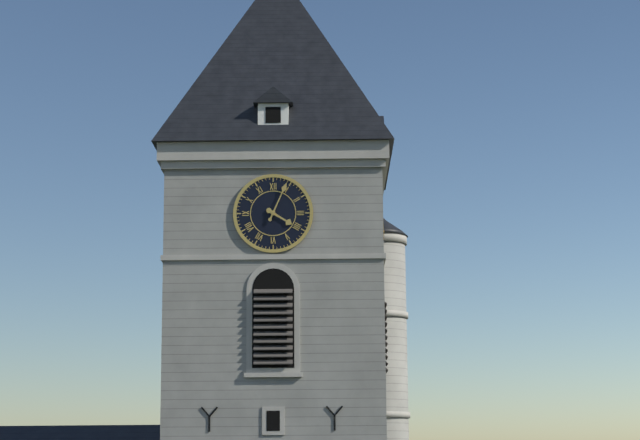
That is 4.04
